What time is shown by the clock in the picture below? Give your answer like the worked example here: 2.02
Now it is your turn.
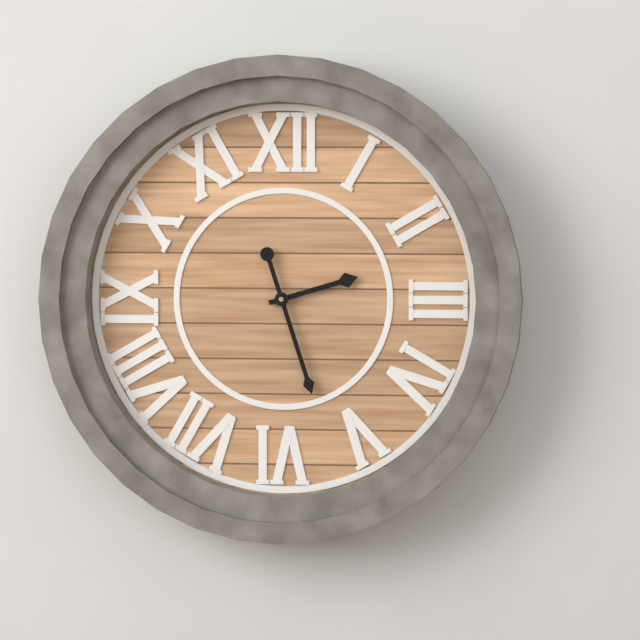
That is 2.27
